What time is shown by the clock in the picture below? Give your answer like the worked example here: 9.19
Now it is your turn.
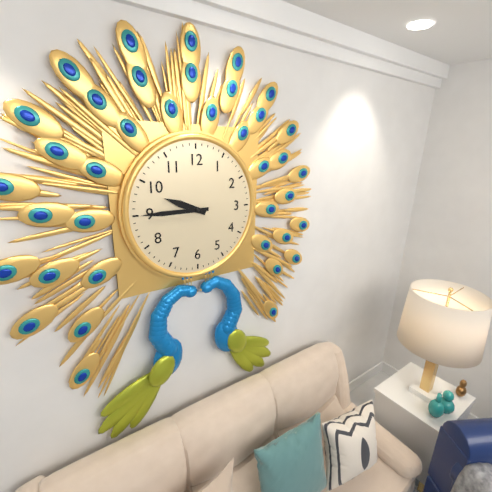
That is 9.45
